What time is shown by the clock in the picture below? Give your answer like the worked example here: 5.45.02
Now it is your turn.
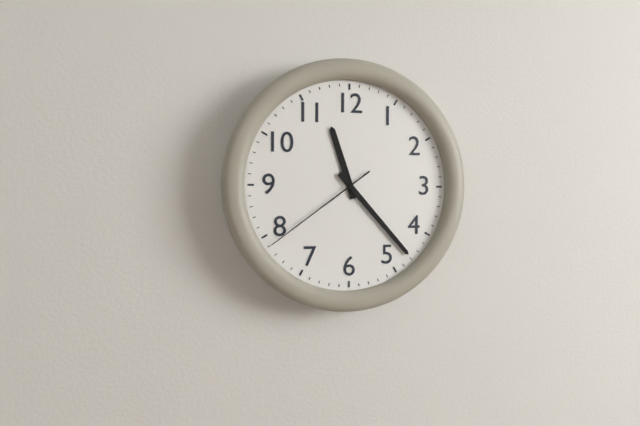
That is 11.23.39
